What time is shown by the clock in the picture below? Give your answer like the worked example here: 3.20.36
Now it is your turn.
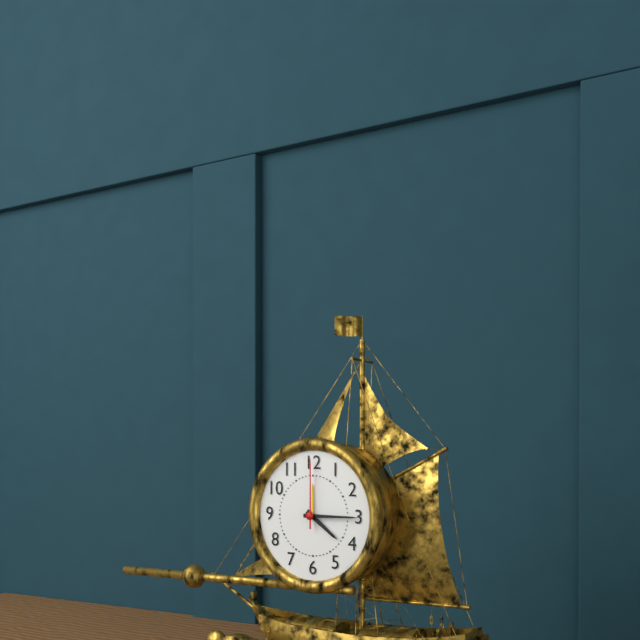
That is 4.15.00
